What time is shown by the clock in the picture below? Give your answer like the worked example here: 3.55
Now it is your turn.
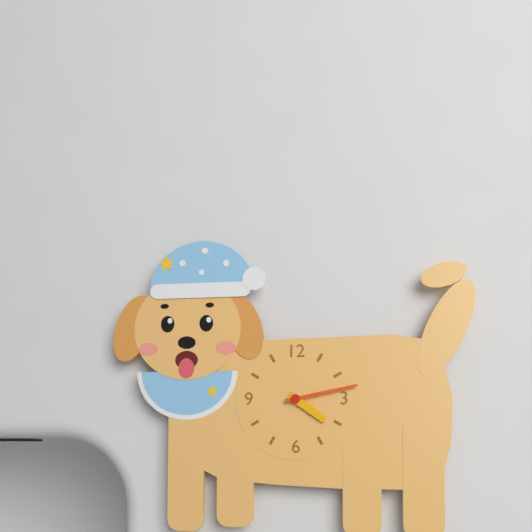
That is 4.13
